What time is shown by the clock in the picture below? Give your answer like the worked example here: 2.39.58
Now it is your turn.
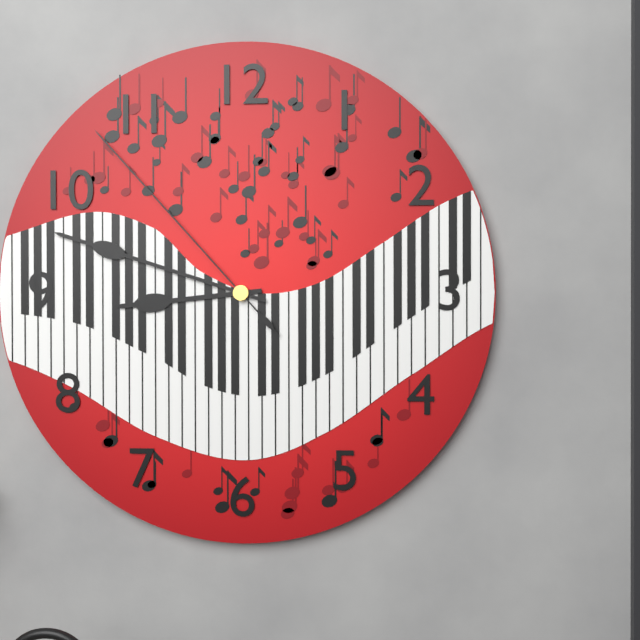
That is 8.48.53
